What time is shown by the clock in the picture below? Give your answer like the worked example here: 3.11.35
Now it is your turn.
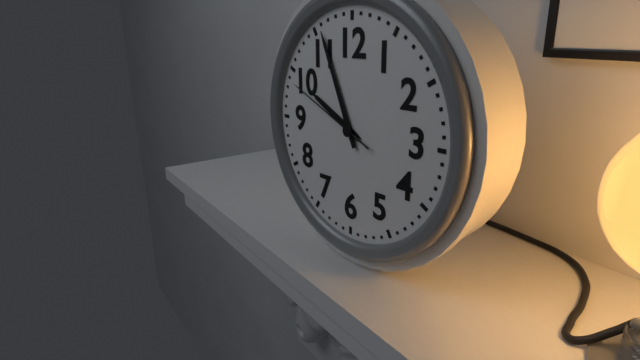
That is 9.56.49
